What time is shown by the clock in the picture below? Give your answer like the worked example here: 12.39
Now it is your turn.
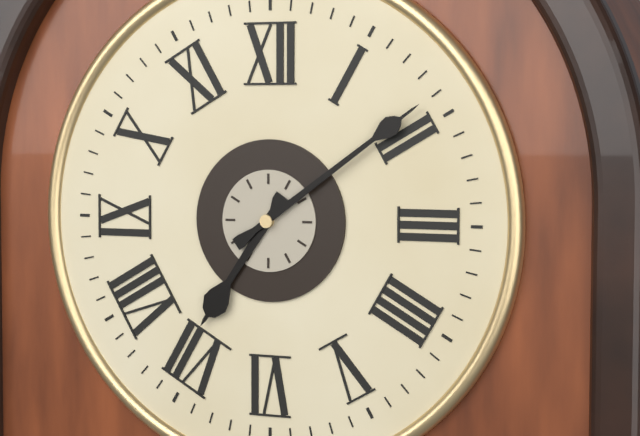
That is 7.09
